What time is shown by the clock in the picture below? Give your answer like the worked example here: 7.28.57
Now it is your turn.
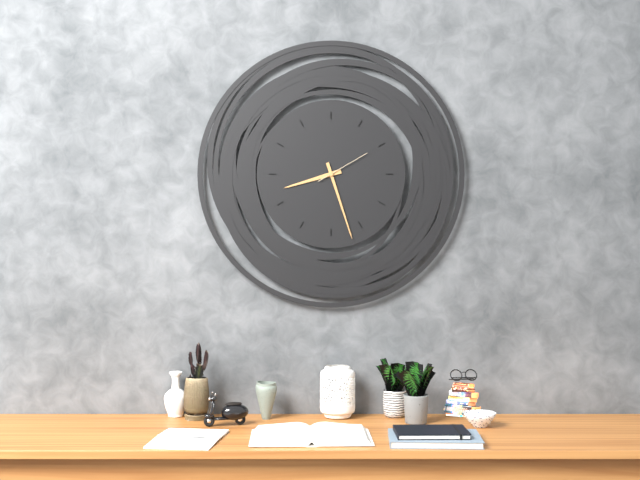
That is 8.27.10
